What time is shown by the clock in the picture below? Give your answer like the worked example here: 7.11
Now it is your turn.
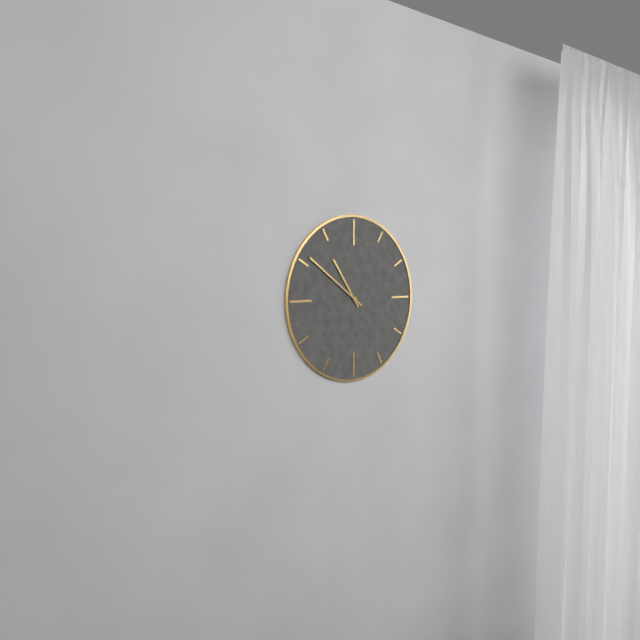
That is 10.51
